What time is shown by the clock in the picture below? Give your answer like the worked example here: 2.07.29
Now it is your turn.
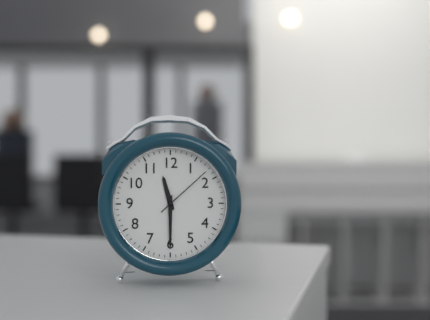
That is 11.30.08
